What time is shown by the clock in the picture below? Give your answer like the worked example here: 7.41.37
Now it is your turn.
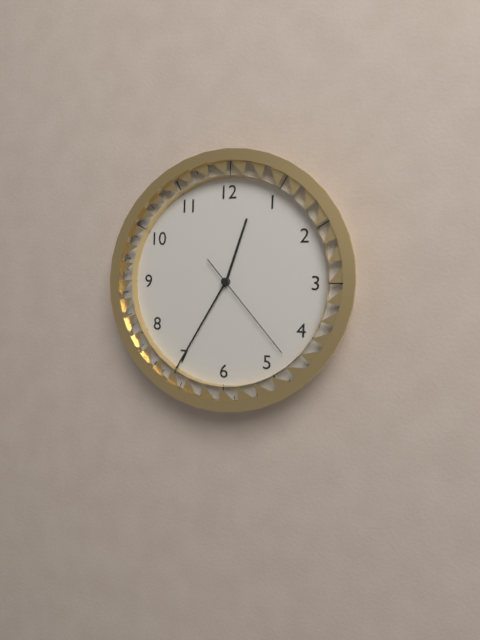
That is 12.35.23
